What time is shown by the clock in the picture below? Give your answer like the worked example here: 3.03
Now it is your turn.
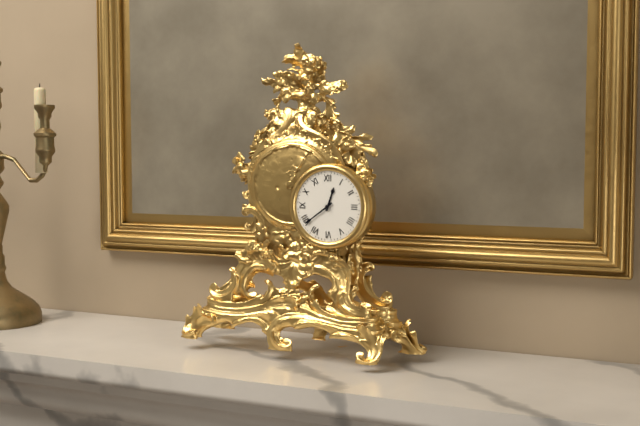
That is 12.39
